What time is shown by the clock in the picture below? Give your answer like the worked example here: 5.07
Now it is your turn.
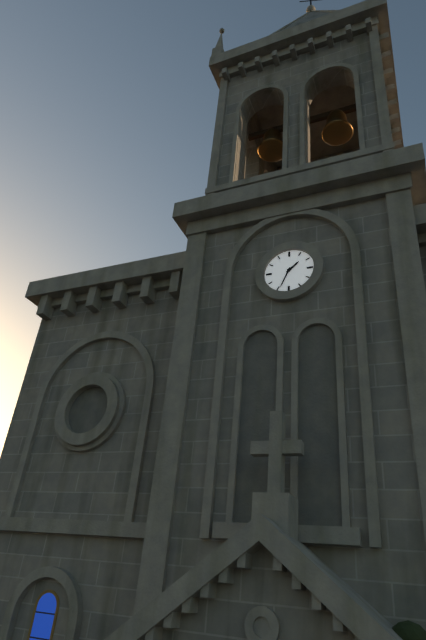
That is 1.34
